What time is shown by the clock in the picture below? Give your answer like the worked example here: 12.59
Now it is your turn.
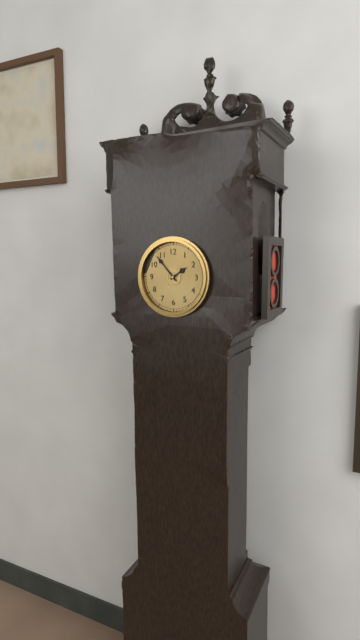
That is 1.53
